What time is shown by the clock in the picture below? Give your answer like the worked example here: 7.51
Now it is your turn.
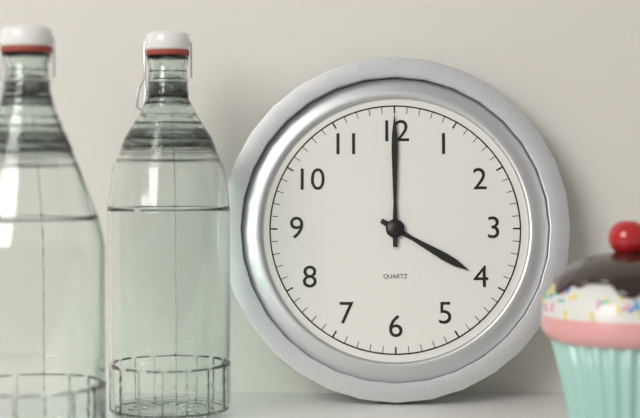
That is 4.00
